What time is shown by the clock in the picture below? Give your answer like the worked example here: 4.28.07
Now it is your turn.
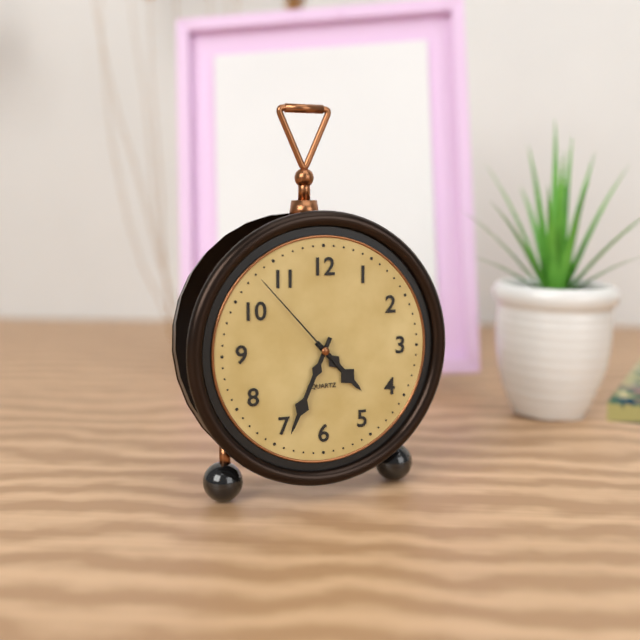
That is 4.34.53
